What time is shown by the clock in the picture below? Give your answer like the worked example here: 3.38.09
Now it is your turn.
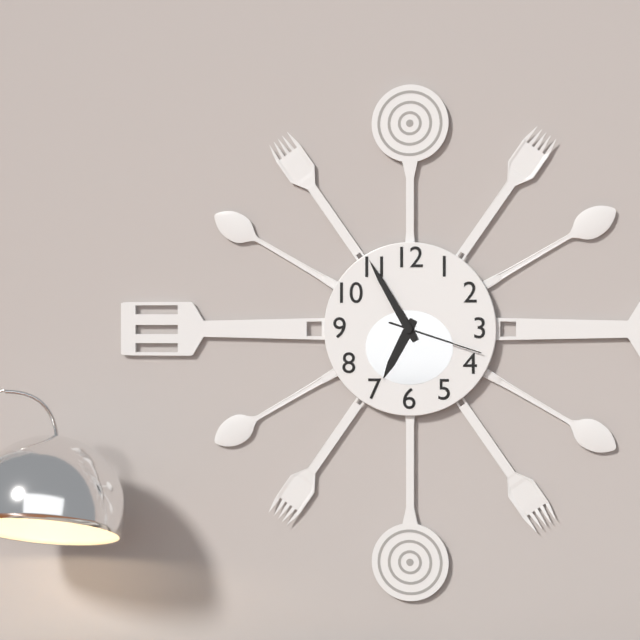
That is 6.55.18
